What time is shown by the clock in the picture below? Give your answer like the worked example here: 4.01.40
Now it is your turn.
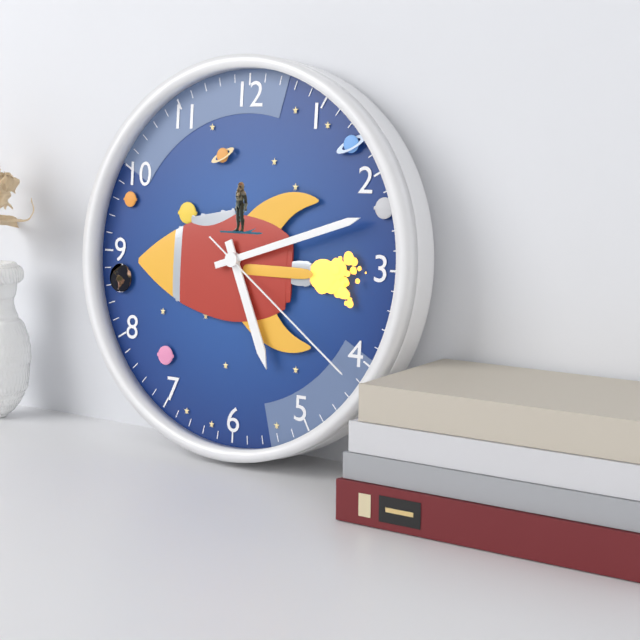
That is 5.12.21
